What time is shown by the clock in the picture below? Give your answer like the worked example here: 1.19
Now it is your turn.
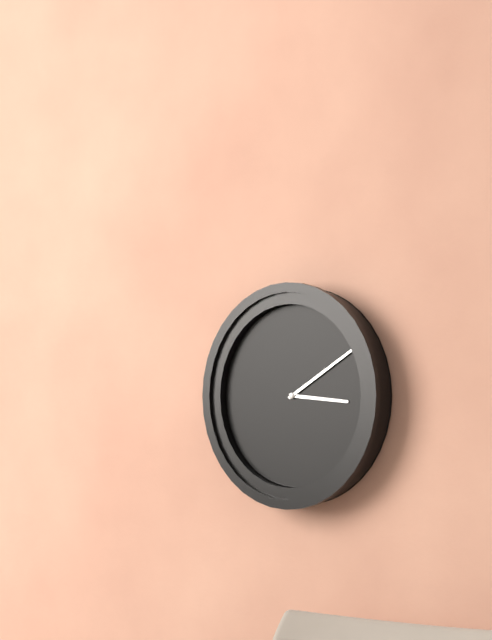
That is 3.10
